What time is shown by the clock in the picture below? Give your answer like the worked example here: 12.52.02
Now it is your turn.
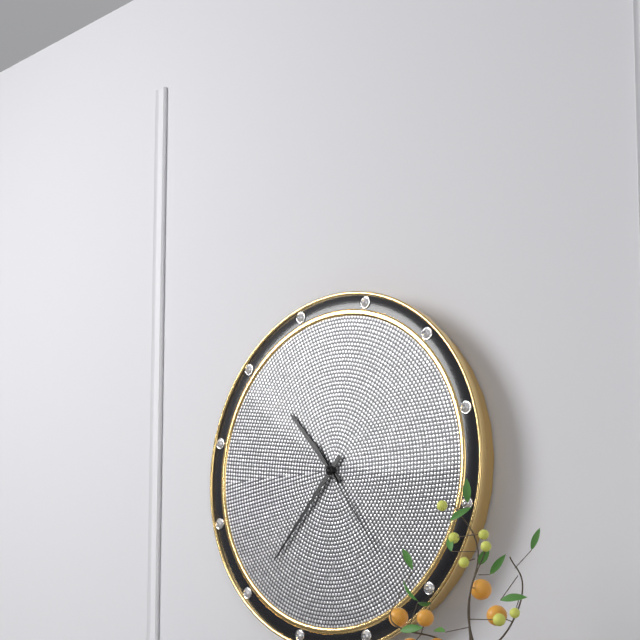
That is 10.37.24
